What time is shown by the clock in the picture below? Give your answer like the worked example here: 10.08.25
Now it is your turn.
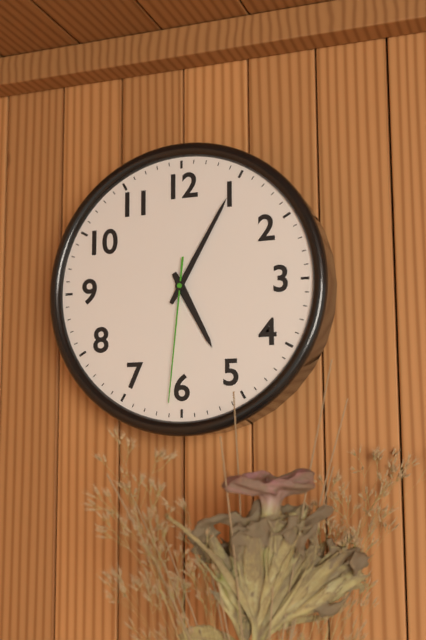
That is 5.05.31
